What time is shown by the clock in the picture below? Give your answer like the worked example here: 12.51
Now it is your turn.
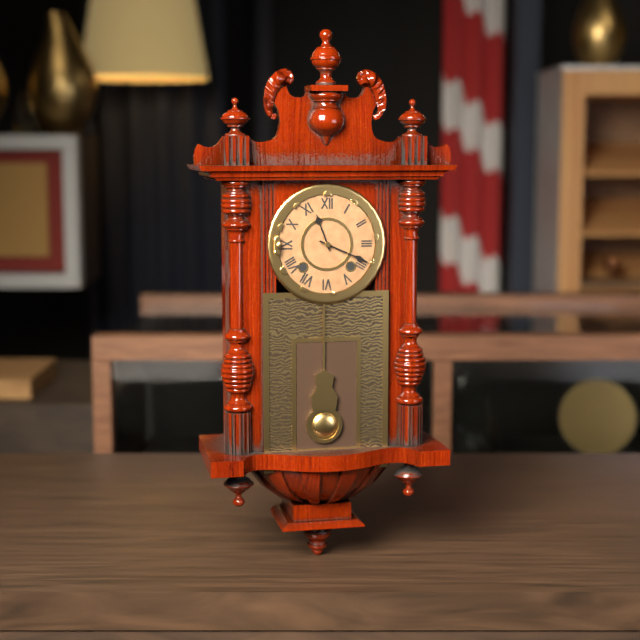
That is 11.19
